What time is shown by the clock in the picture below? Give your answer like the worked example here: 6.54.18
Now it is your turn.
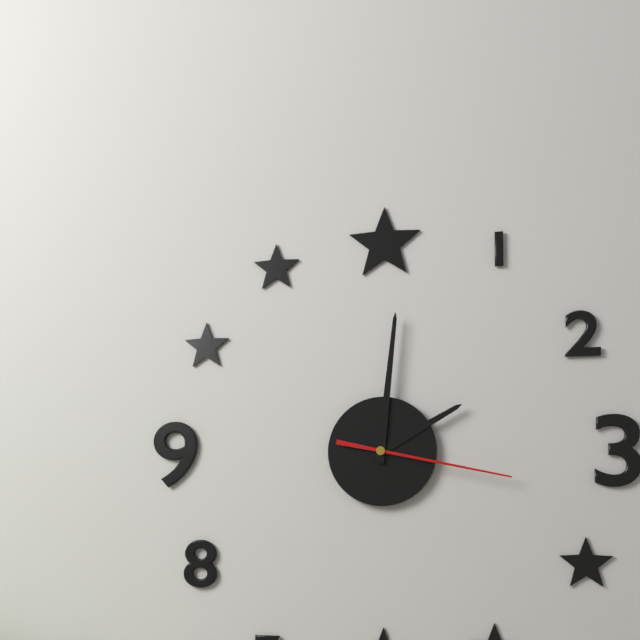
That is 2.01.17
